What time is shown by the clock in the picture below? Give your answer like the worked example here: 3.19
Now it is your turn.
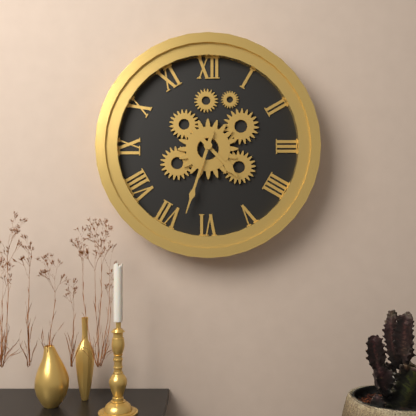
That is 4.33
